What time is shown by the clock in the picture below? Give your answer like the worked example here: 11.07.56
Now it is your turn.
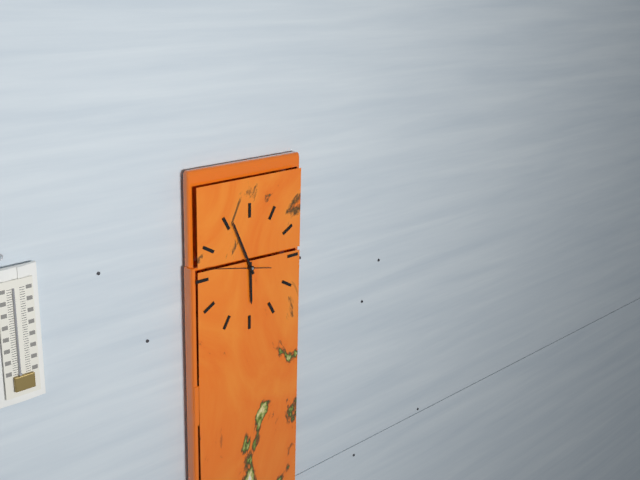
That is 5.56.47
